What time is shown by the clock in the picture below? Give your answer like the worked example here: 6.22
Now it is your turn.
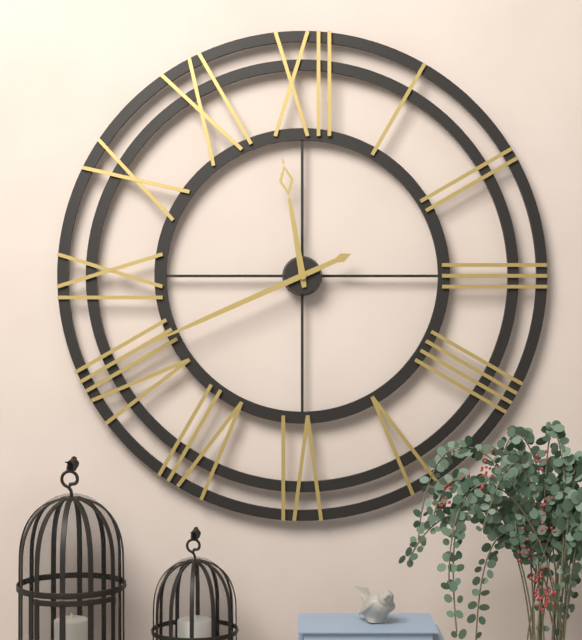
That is 11.41
